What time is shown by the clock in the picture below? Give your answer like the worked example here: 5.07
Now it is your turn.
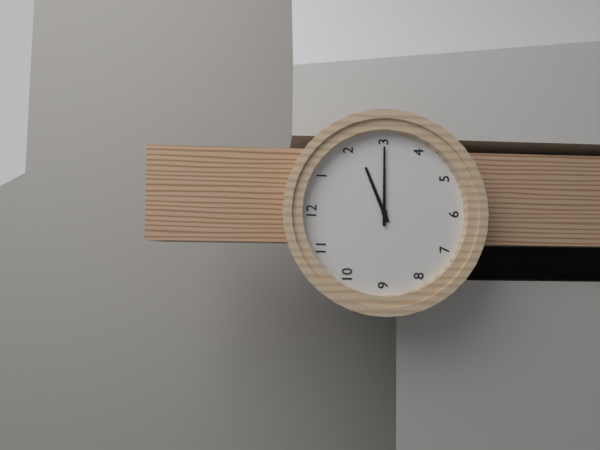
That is 2.15
